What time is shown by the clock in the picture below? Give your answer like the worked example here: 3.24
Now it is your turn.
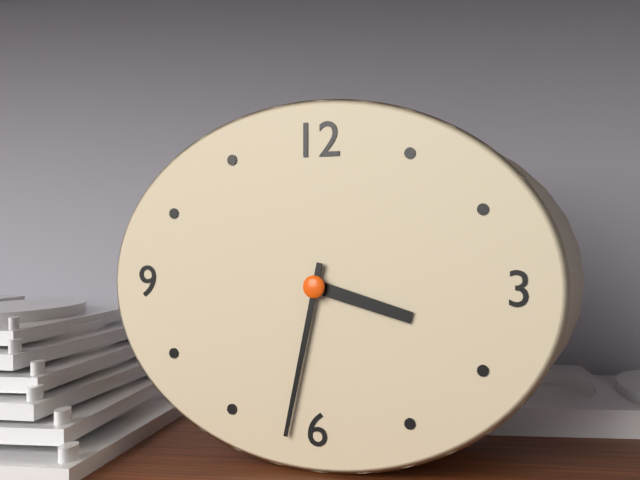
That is 3.32
